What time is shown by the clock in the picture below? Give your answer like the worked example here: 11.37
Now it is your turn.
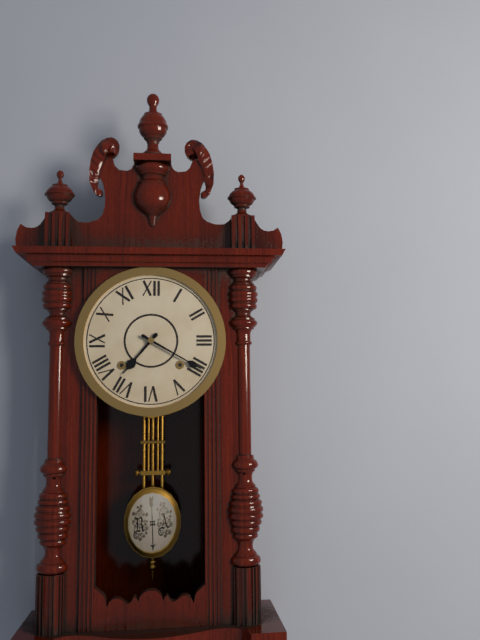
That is 7.20
